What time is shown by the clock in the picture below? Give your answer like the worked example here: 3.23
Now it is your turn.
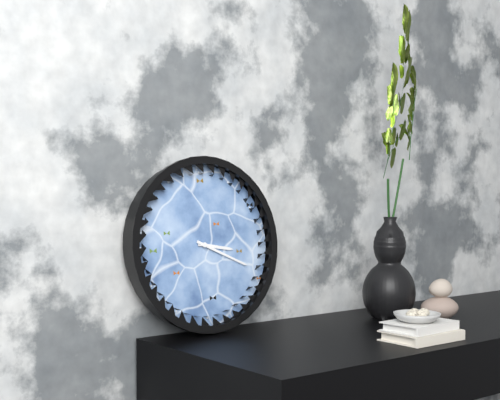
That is 3.19
